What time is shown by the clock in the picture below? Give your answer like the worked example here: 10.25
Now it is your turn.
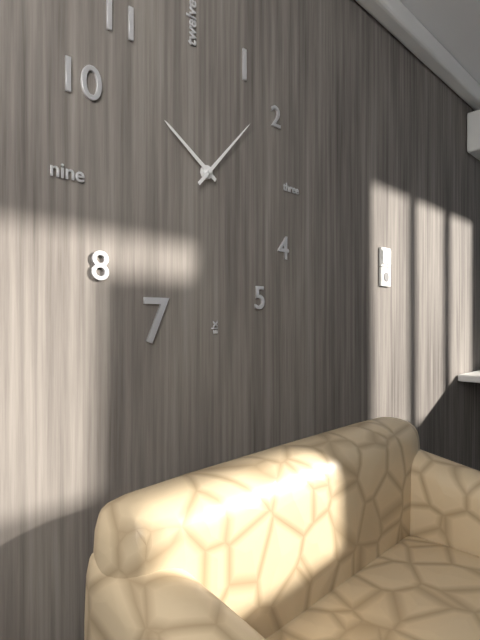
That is 10.07
